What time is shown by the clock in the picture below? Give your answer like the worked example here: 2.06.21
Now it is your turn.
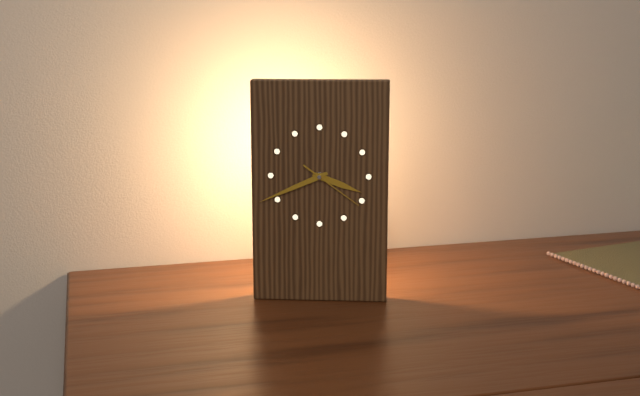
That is 3.41.21
